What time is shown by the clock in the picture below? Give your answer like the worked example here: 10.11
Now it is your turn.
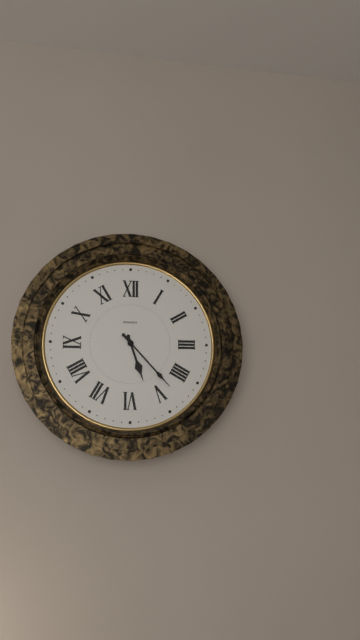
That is 5.23
